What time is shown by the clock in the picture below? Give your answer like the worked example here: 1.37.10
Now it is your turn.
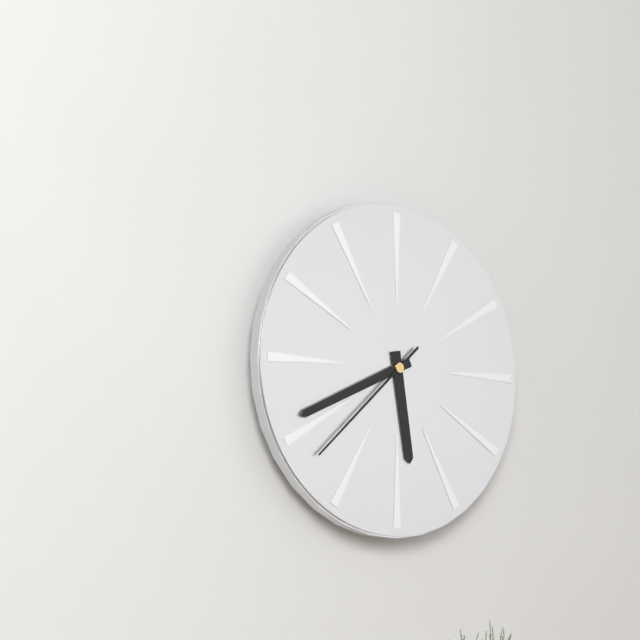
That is 5.41.38
